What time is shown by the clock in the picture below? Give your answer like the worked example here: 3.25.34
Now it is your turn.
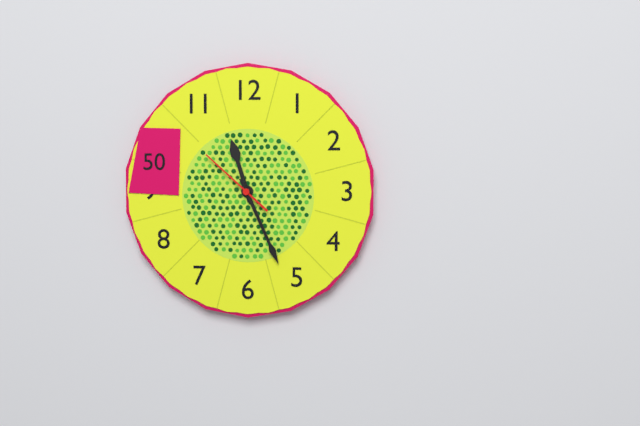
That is 11.26.52
